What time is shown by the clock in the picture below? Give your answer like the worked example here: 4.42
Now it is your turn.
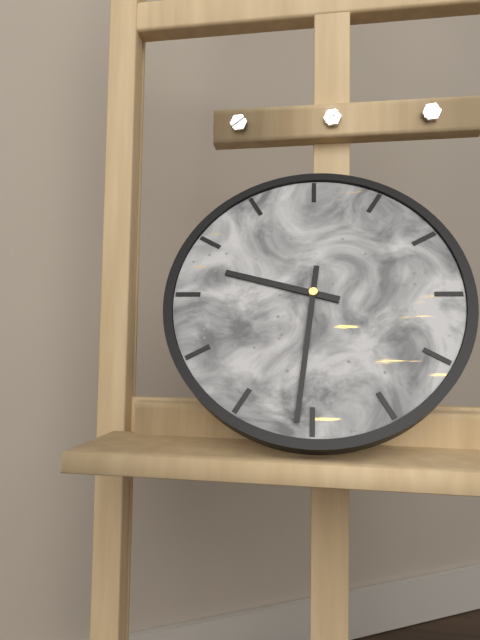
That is 9.31
